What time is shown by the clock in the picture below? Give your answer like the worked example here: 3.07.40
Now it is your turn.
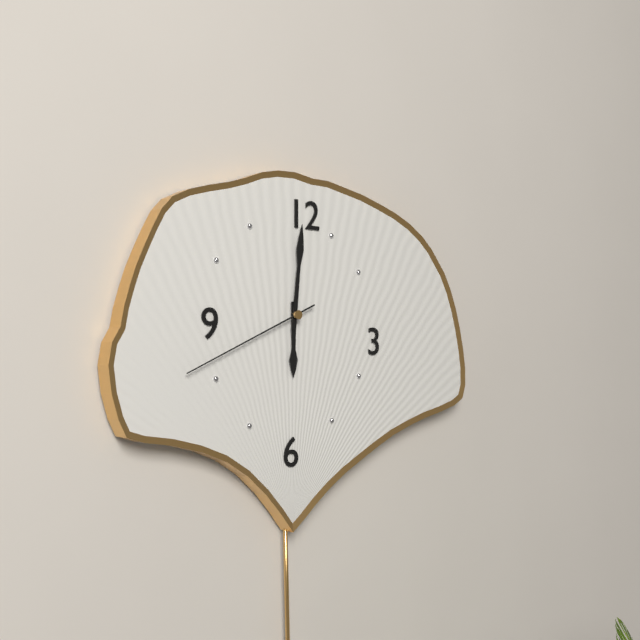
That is 6.01.41
